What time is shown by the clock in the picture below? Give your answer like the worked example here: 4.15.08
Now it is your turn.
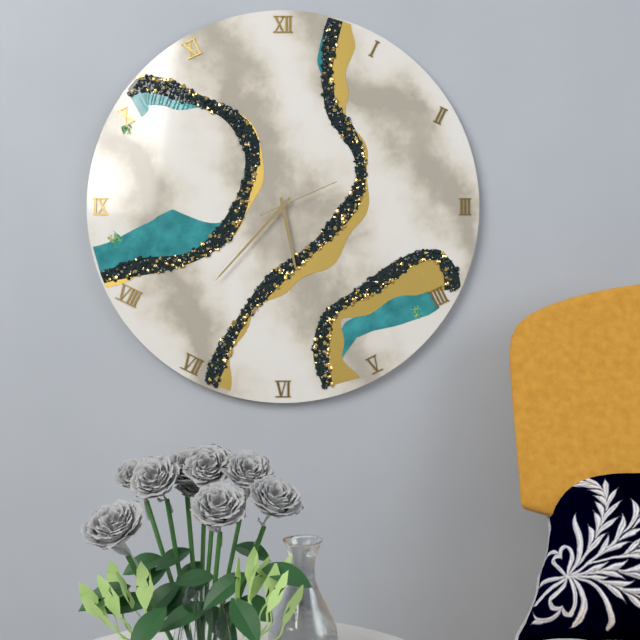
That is 5.37.11
